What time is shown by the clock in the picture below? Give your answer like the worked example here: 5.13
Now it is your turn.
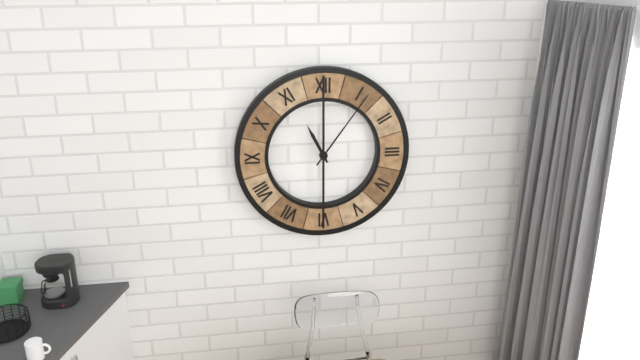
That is 11.06
